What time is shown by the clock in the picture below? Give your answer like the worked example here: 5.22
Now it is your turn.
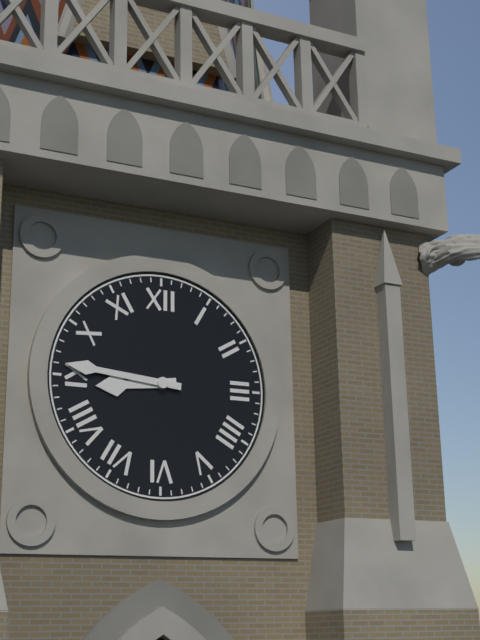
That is 8.46
